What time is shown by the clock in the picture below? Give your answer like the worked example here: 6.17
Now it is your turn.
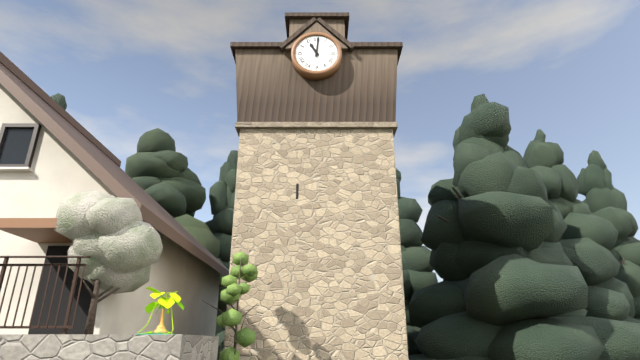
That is 11.01
